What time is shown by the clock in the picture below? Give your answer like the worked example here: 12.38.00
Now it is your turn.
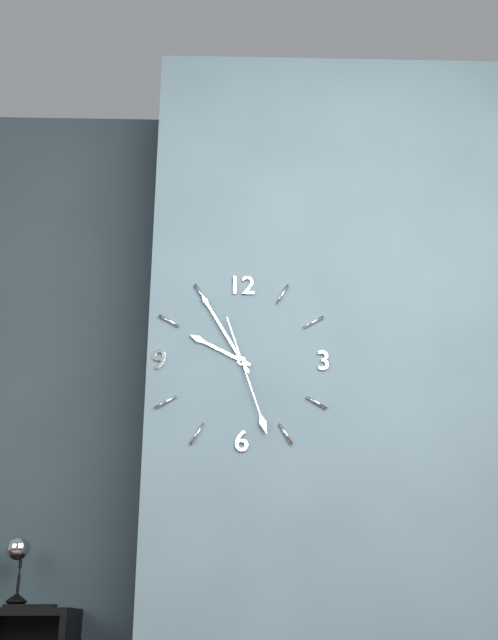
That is 9.55.27
